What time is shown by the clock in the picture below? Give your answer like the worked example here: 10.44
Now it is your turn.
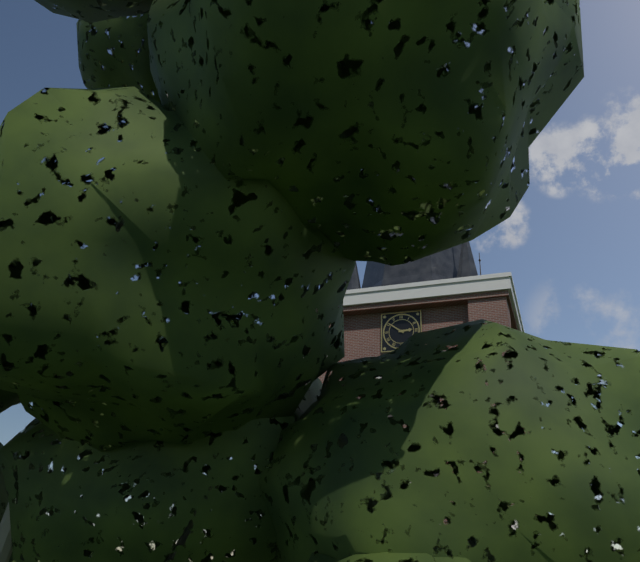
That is 2.51
